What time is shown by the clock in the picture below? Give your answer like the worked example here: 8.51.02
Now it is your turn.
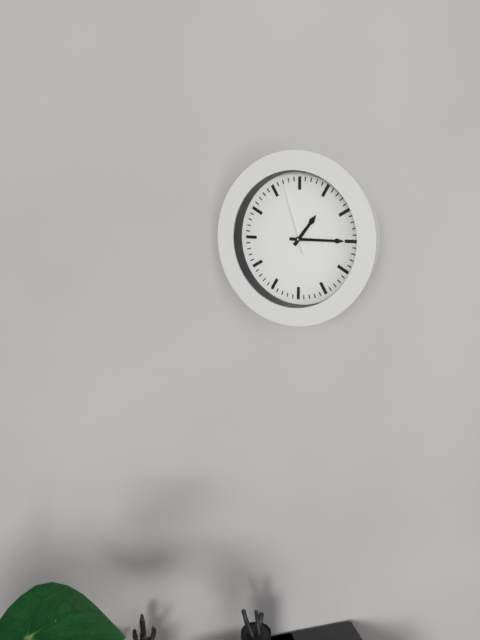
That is 1.15.57
